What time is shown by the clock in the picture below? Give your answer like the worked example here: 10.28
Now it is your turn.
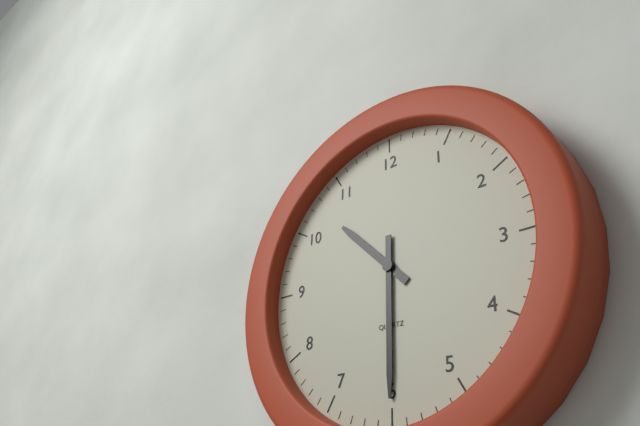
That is 10.30
